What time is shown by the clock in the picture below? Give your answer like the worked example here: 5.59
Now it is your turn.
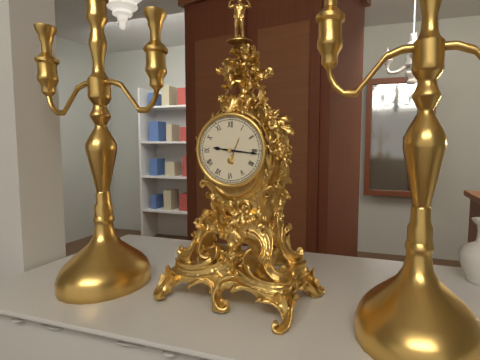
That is 9.16
